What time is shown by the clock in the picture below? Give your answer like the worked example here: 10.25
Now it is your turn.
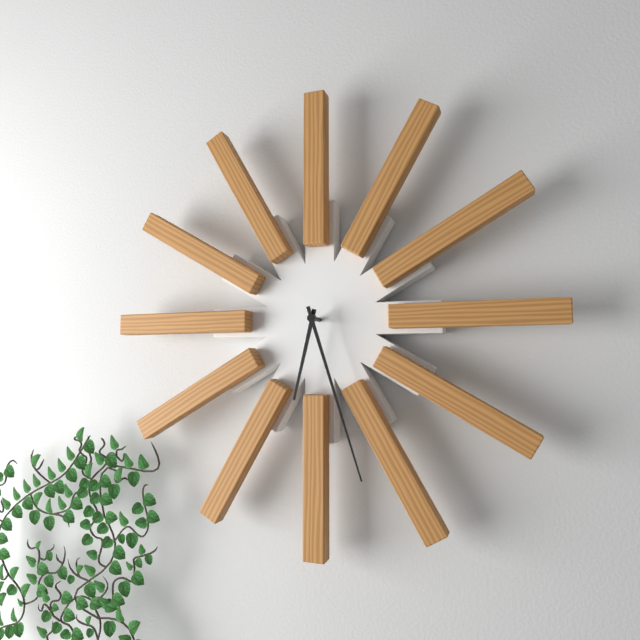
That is 6.27
